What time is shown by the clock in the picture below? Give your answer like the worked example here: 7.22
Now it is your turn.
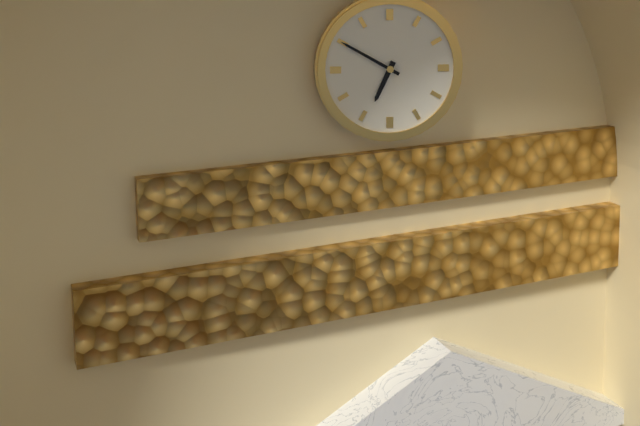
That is 6.50
